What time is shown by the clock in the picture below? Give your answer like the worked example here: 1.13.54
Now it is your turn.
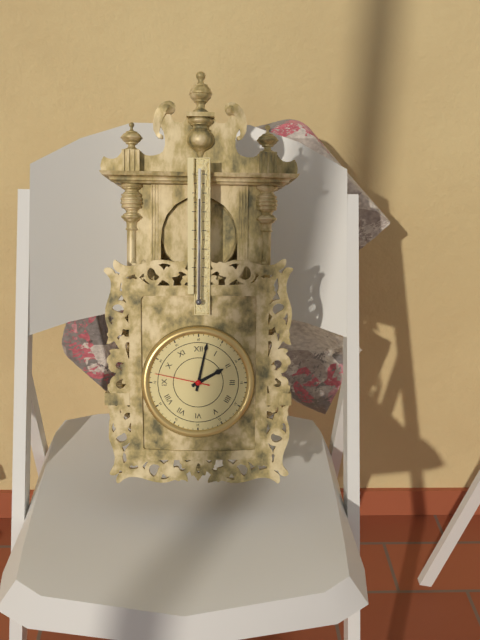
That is 2.02.47
